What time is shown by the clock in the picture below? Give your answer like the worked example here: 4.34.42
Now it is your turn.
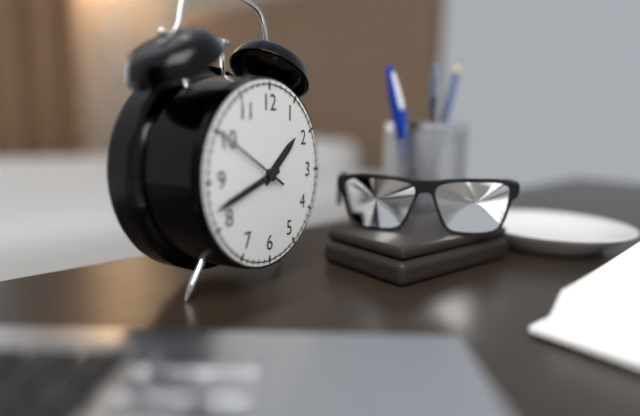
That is 1.42.50
